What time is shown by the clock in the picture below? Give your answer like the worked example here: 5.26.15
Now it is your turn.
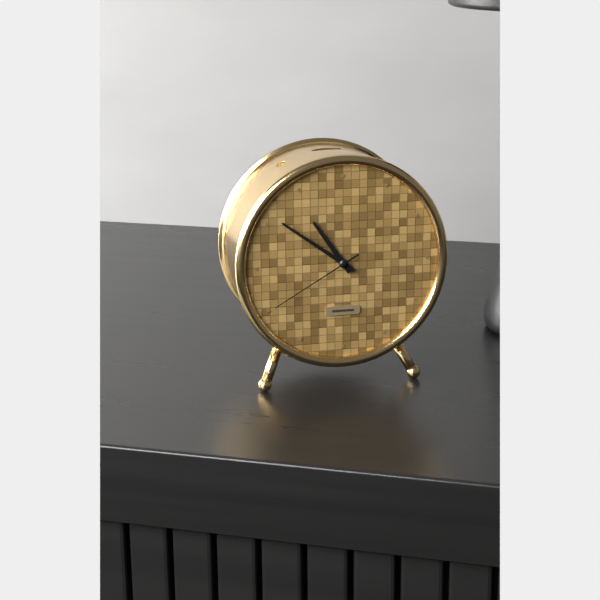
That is 10.51.40
